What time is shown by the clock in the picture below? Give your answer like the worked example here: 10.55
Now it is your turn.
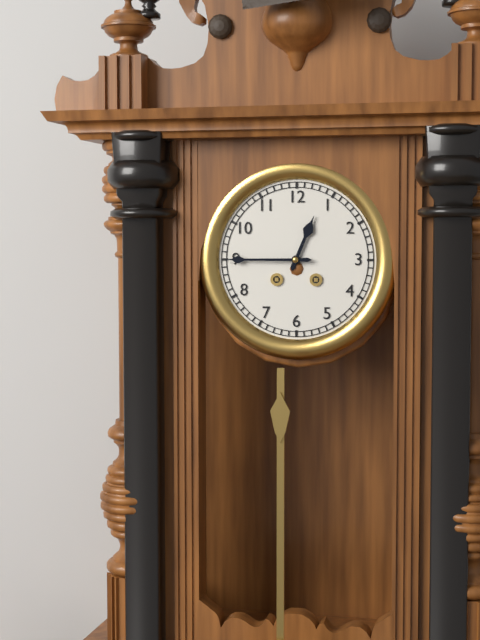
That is 12.45
